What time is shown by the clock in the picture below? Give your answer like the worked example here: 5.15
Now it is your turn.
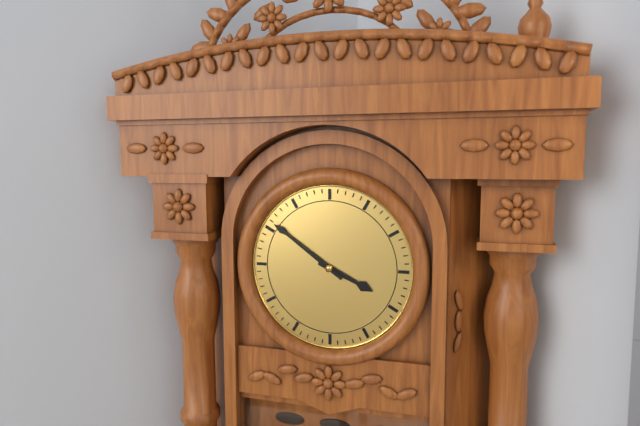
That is 3.51
